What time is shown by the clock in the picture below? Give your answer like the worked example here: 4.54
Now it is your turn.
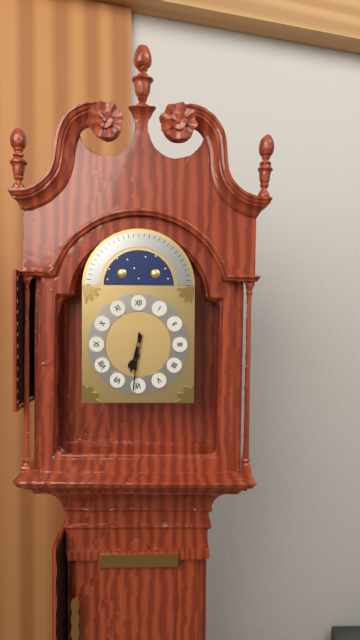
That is 6.31
